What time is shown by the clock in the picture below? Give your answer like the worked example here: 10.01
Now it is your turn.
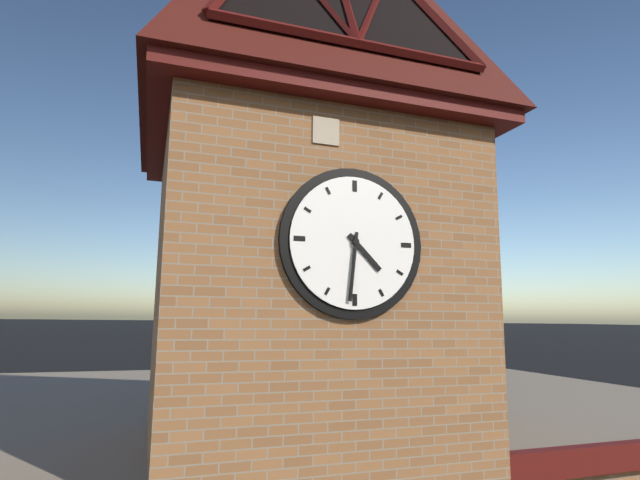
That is 4.31
